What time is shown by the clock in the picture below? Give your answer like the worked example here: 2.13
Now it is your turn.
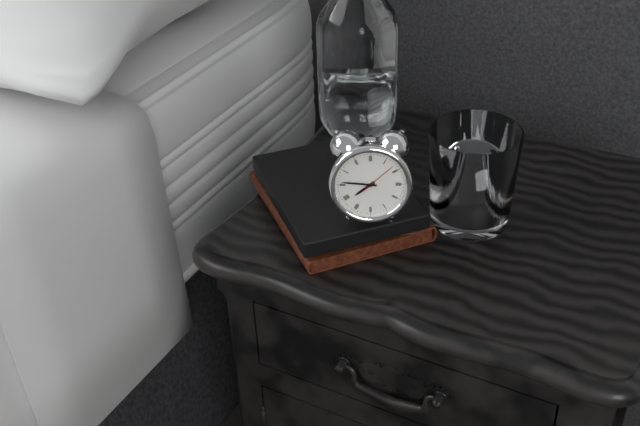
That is 7.46
